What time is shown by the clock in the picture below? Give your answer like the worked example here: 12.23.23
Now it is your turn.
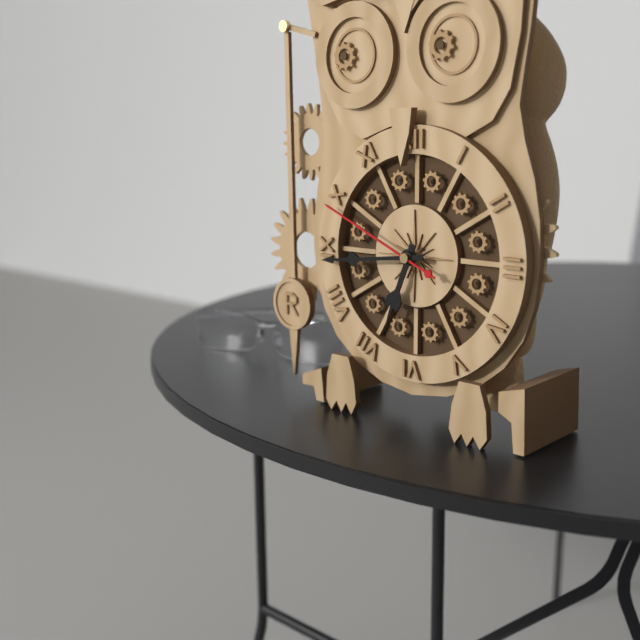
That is 6.44.49
